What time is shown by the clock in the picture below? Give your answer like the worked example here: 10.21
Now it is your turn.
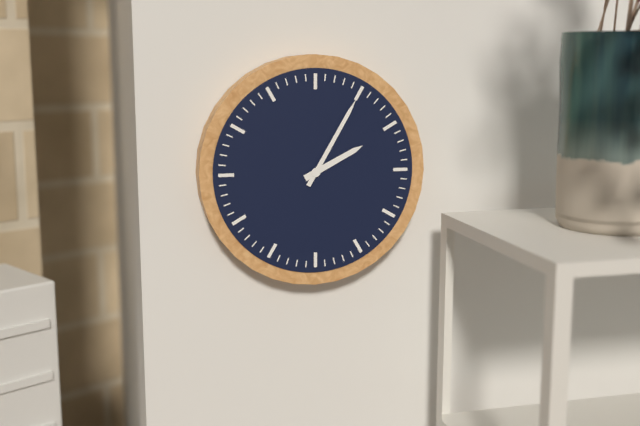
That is 2.05
